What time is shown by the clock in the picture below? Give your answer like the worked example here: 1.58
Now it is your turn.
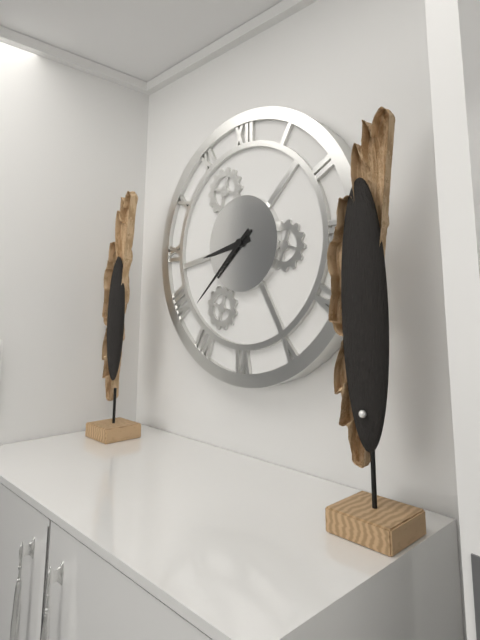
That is 8.38
